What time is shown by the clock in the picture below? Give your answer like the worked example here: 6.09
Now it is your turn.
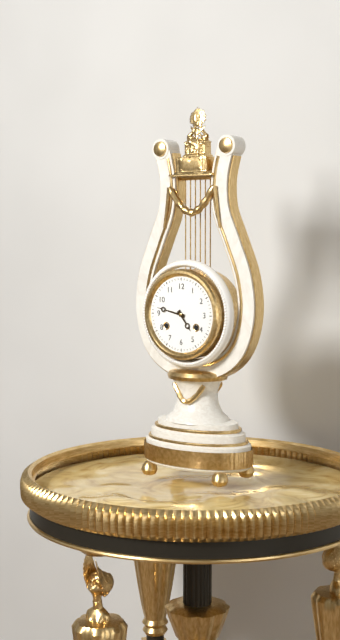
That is 4.47
